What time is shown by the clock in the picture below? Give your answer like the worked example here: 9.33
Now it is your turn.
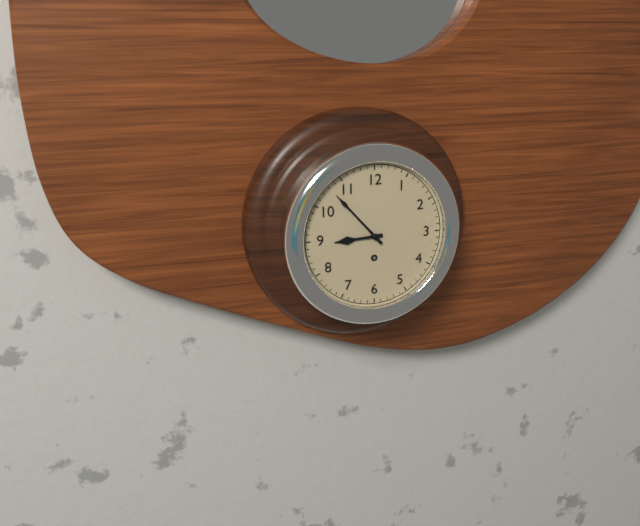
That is 8.53
